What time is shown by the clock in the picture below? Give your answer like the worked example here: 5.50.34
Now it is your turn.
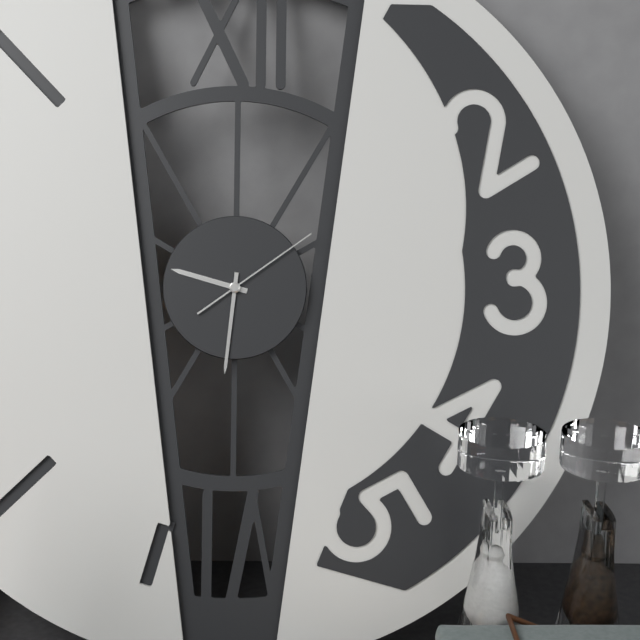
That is 9.31.09
